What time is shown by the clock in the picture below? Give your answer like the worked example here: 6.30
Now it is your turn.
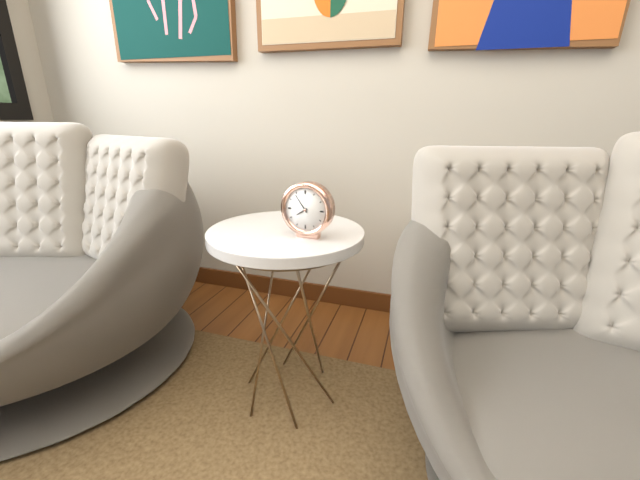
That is 7.54
